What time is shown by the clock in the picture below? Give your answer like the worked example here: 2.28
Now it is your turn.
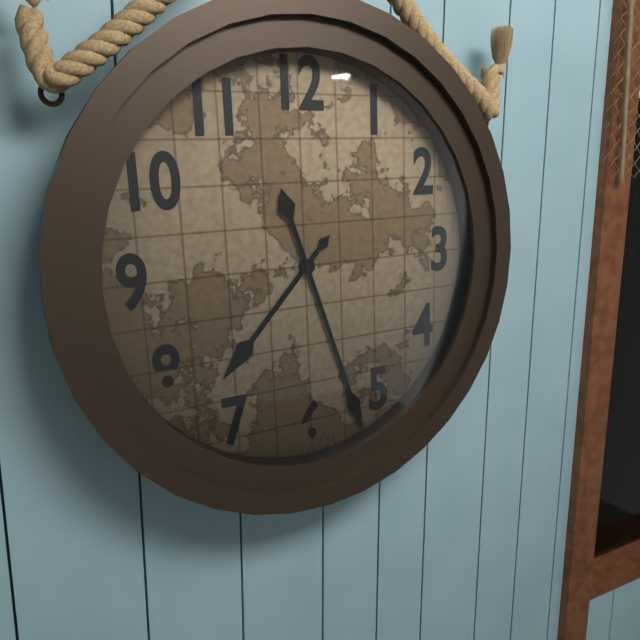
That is 7.27
